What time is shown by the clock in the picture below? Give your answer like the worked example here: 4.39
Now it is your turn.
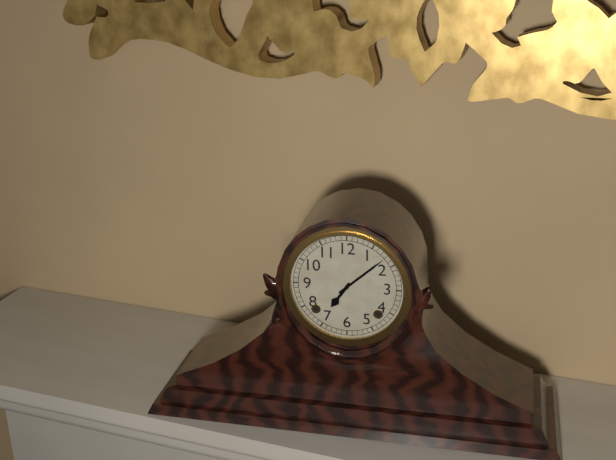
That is 7.08
